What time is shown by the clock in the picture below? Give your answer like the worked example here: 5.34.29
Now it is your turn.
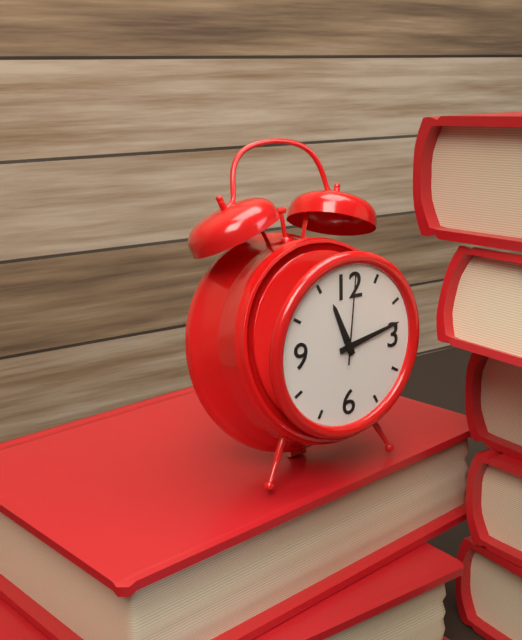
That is 11.13.01
